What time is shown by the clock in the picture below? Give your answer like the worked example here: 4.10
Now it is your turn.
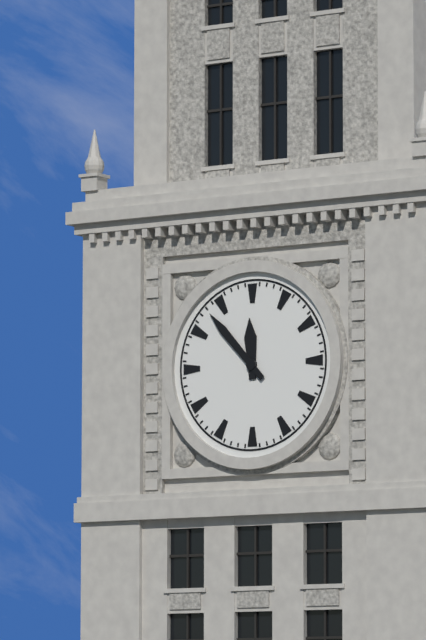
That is 11.53
